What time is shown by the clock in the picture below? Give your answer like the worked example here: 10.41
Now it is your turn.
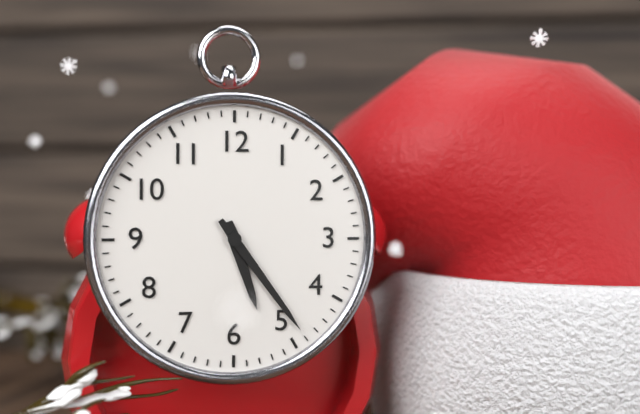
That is 5.24
